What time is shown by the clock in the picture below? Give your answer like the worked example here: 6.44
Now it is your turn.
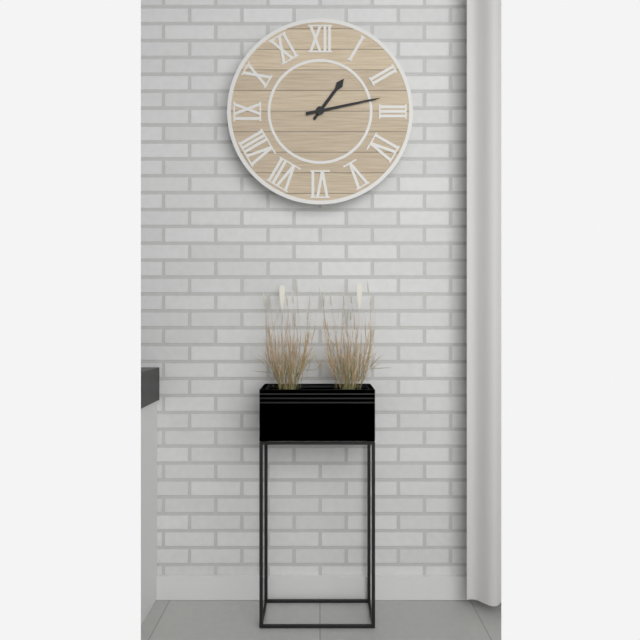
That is 1.13
